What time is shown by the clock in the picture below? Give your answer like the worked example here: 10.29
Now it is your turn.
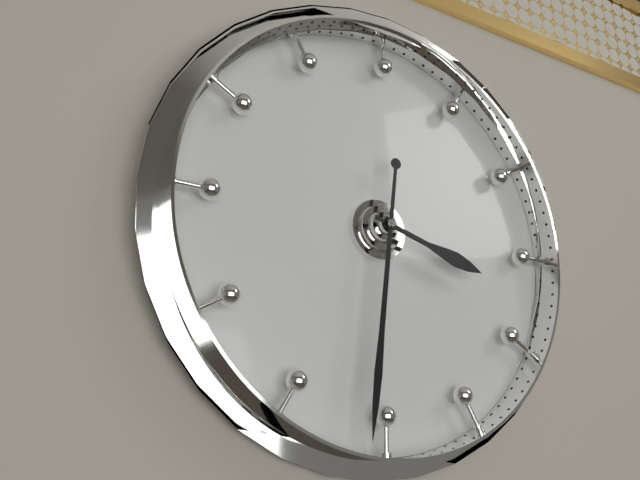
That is 3.31
